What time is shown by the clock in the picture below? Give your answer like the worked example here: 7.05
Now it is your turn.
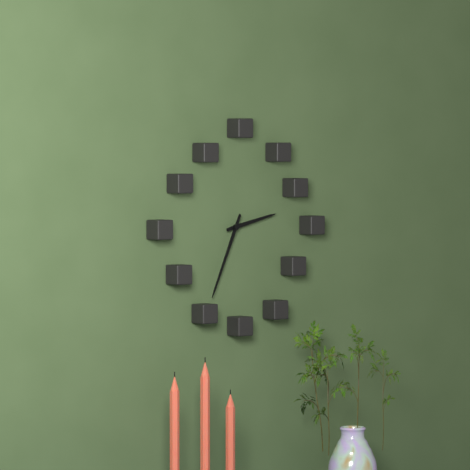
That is 2.34
